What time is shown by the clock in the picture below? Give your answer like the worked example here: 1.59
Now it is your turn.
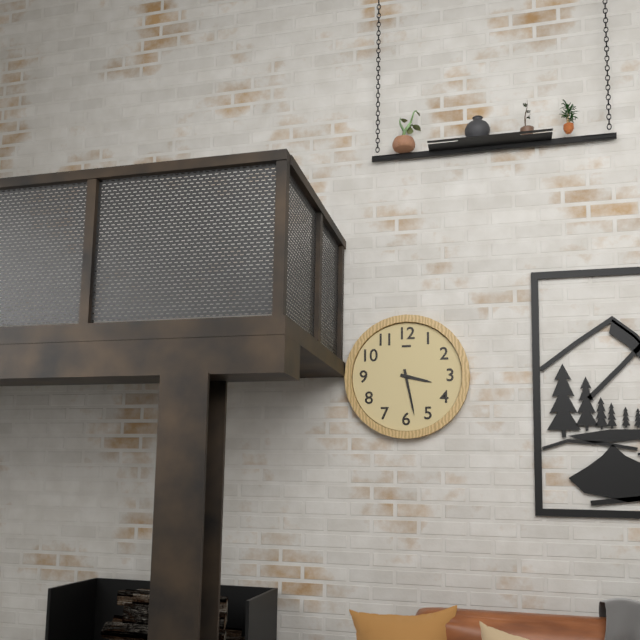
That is 3.28
